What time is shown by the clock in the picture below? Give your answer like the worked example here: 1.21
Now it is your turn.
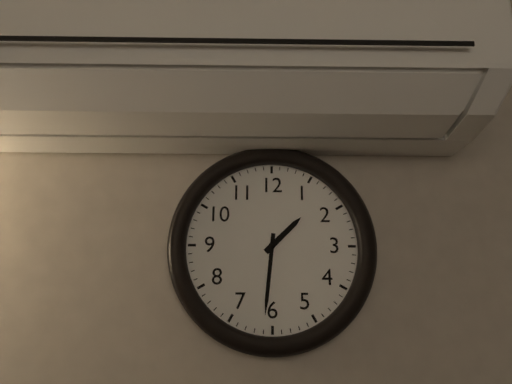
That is 1.31
